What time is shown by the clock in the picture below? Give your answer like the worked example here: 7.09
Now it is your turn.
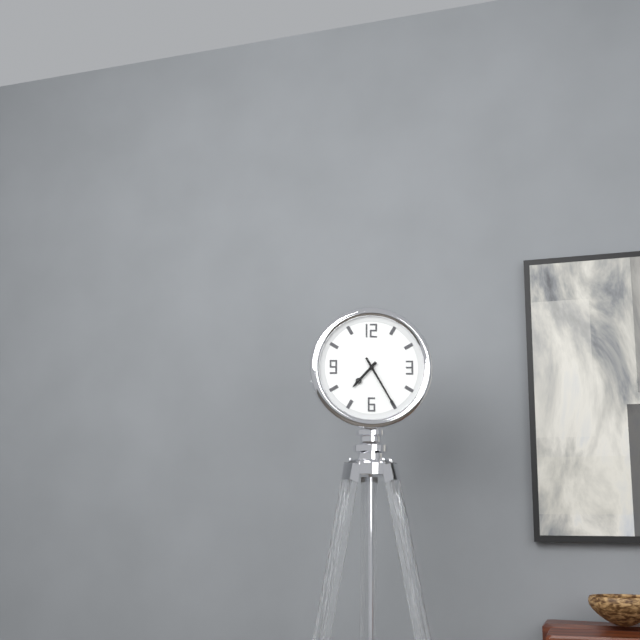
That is 7.25
